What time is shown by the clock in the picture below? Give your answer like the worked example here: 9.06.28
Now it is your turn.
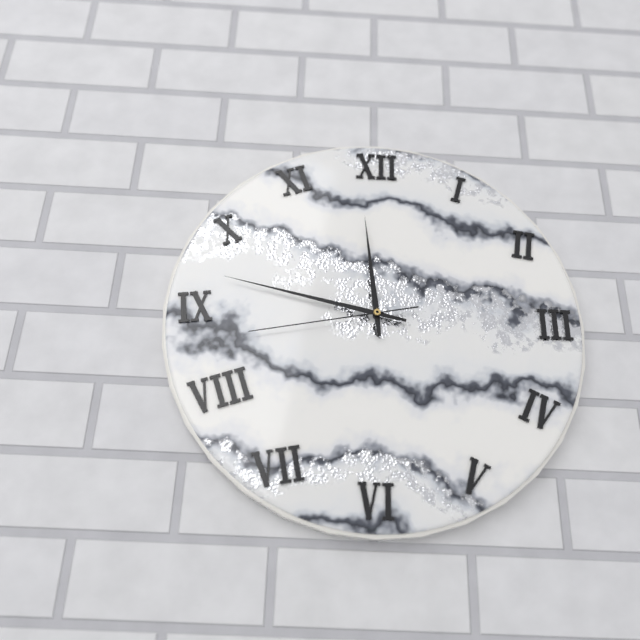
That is 11.47.43
